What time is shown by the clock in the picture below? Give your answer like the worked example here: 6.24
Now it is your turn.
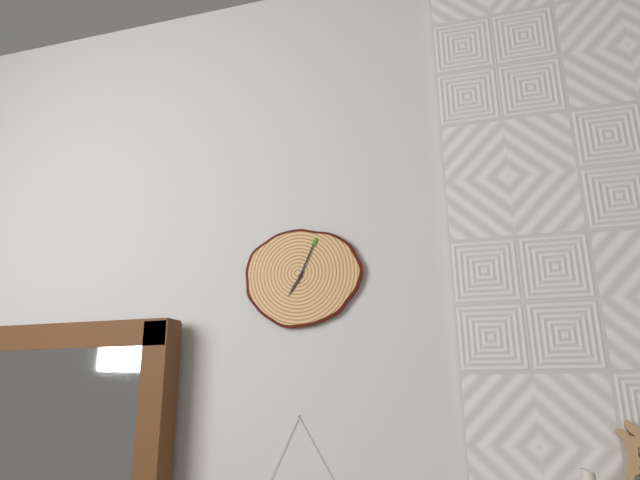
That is 7.04
